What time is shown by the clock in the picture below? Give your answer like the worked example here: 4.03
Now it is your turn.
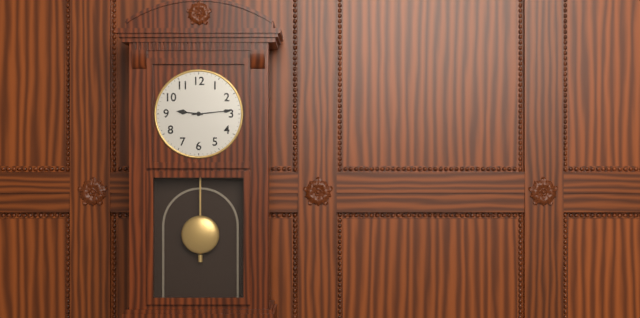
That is 9.14
